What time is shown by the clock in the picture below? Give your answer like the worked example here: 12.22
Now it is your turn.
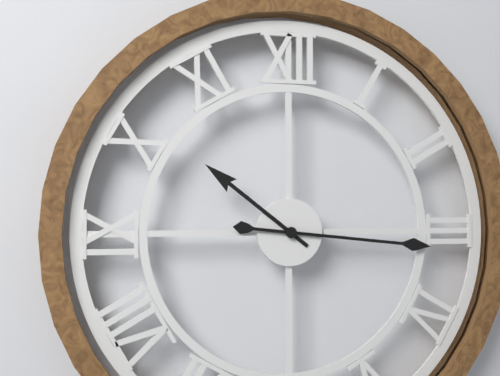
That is 10.16
